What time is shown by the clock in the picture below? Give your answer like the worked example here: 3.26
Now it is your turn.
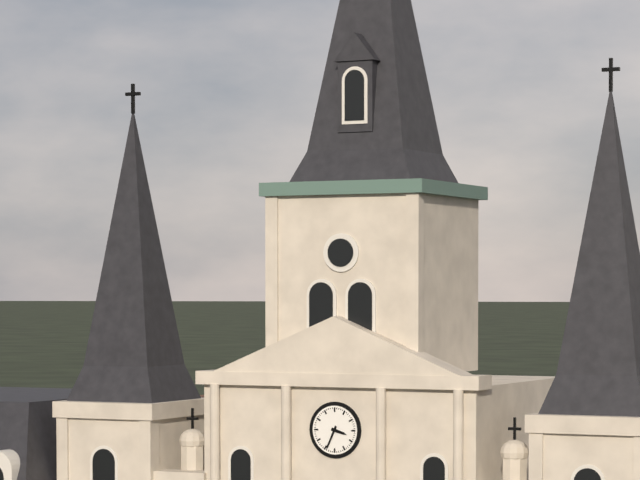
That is 3.34
